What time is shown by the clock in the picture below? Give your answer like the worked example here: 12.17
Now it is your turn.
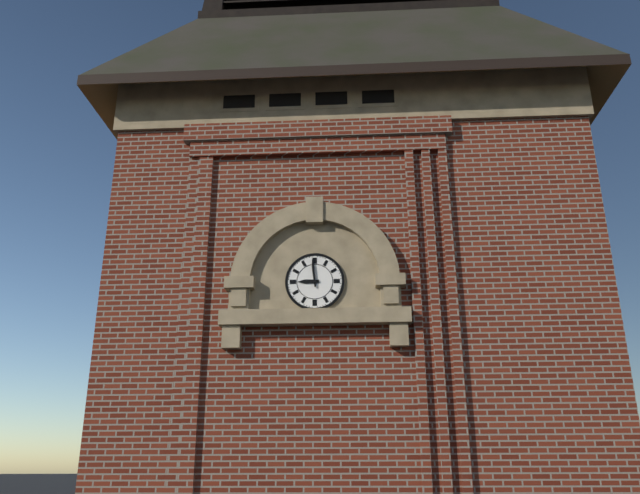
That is 8.59
